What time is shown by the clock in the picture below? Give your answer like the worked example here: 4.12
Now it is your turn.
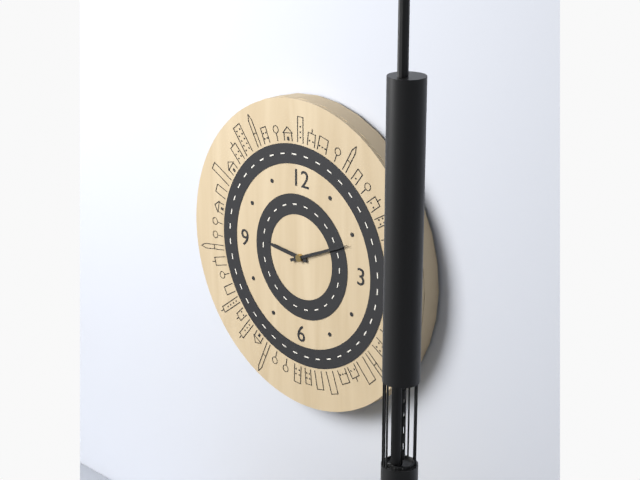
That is 9.11
